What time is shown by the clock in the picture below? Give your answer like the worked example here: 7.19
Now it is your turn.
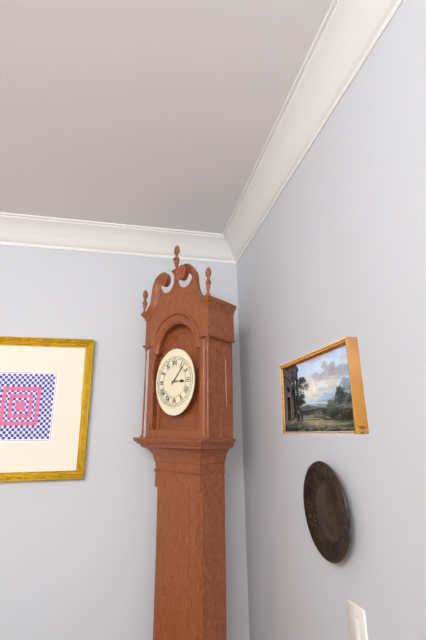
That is 3.07
